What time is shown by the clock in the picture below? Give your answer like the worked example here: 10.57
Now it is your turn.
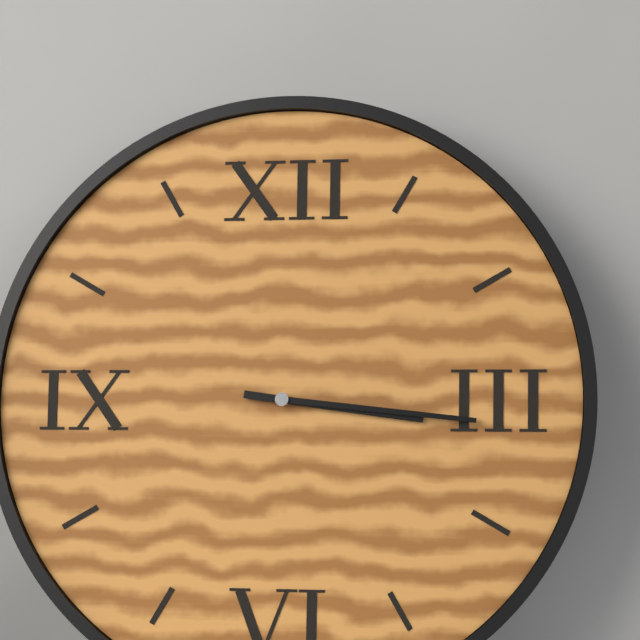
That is 3.16
